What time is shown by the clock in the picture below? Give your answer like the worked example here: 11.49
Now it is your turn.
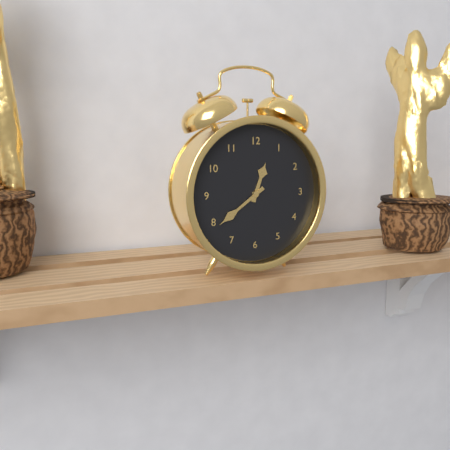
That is 12.39
